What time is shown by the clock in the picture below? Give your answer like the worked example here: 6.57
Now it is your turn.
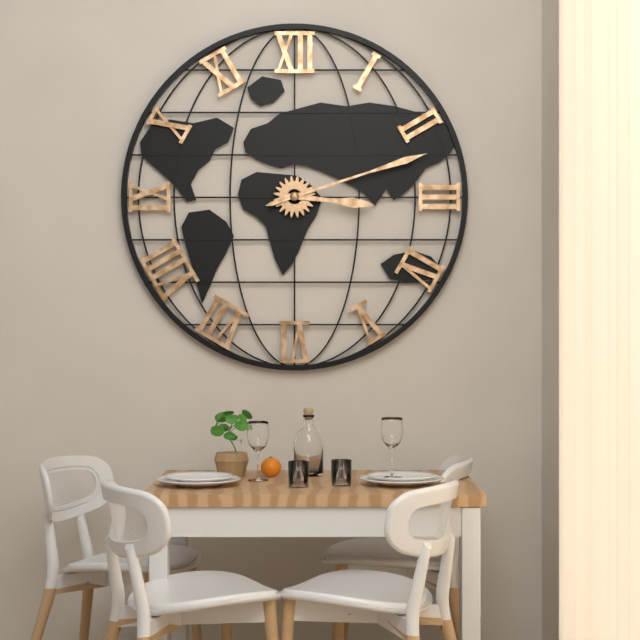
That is 3.12
